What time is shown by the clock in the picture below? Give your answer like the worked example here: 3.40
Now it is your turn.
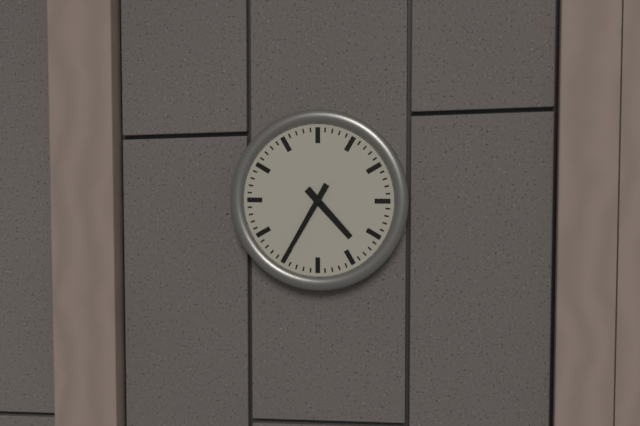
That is 4.35
